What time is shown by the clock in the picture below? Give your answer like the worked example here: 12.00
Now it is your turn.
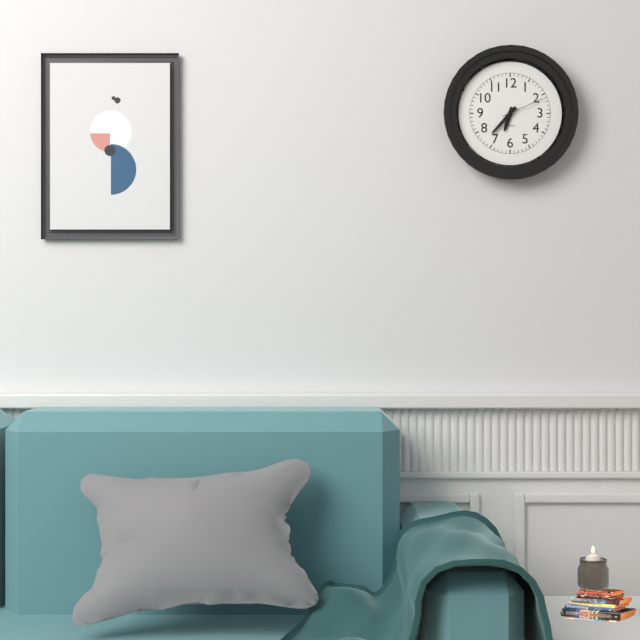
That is 6.37
